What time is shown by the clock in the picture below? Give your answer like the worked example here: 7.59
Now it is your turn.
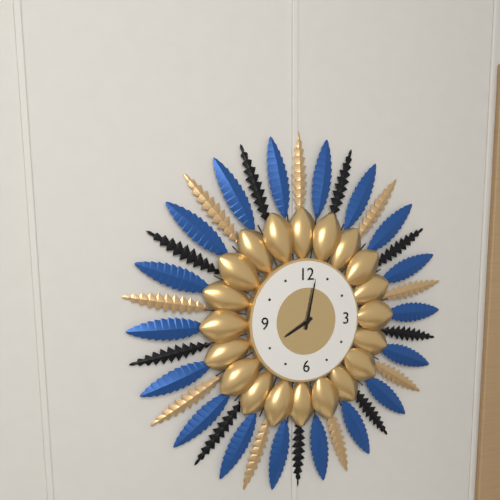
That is 8.02
